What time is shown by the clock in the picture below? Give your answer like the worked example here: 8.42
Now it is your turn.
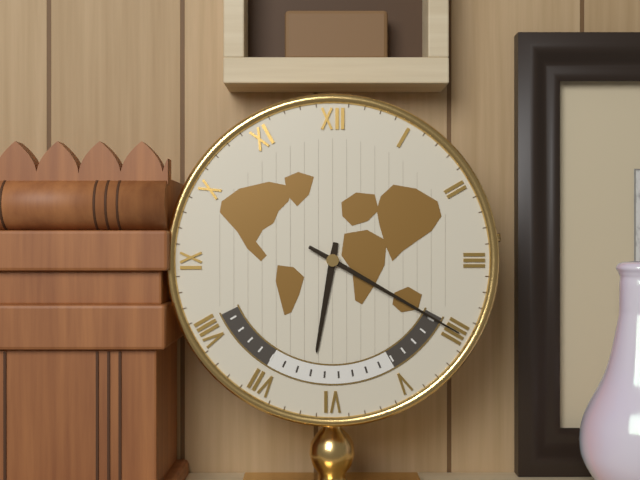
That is 6.20
